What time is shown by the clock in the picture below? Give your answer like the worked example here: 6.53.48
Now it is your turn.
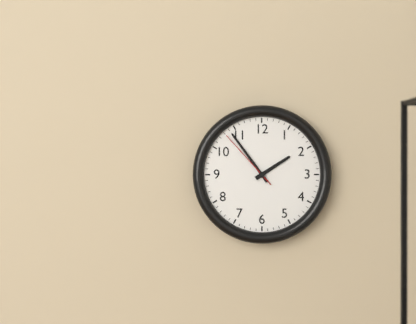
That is 1.54.53
